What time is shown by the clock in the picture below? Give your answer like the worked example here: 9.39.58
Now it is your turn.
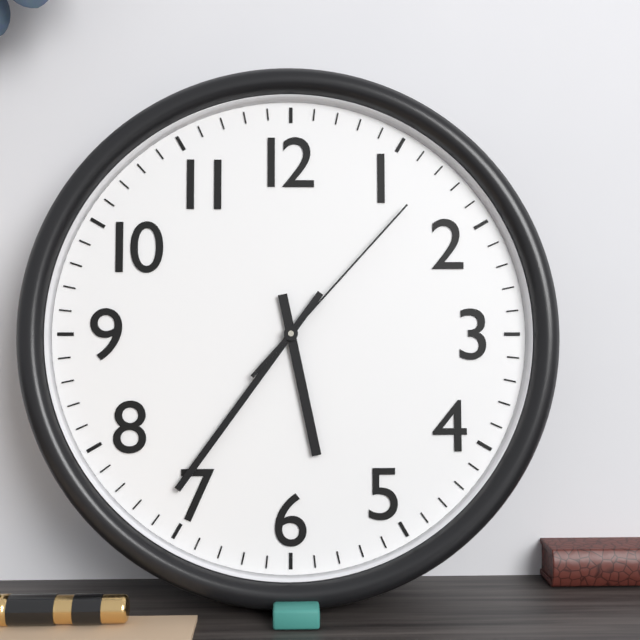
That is 5.36.07
